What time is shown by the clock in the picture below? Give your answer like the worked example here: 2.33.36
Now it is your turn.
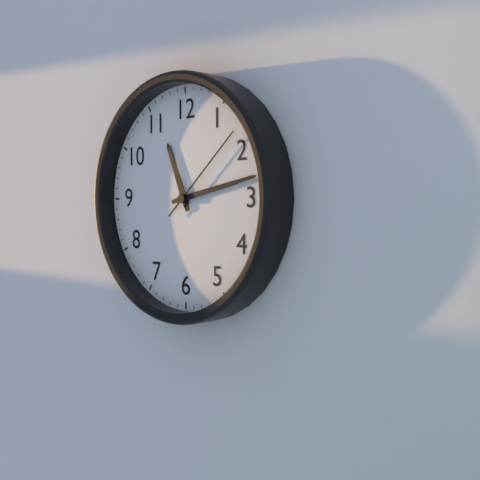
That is 11.13.08
